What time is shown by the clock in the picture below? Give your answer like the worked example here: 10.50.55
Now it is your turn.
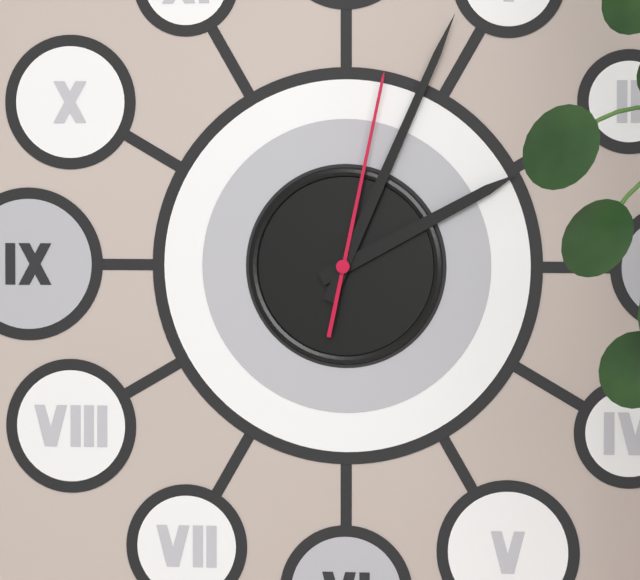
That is 2.04.02
